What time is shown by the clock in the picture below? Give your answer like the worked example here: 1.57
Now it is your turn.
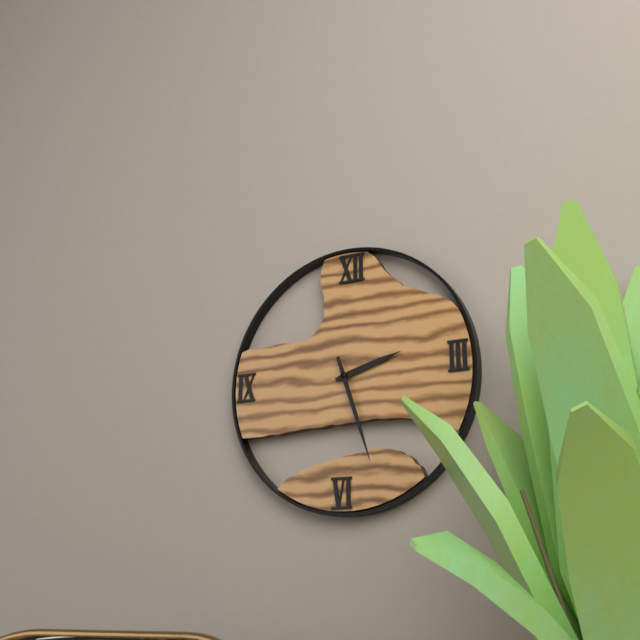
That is 2.27
